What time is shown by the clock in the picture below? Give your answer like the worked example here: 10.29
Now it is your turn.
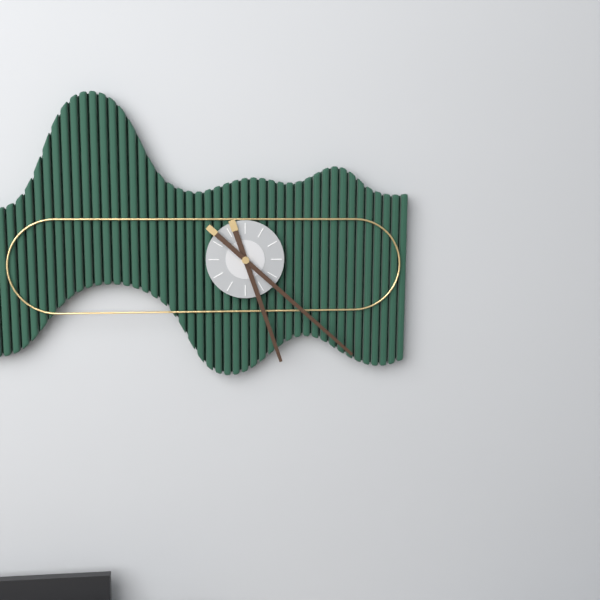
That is 5.22
